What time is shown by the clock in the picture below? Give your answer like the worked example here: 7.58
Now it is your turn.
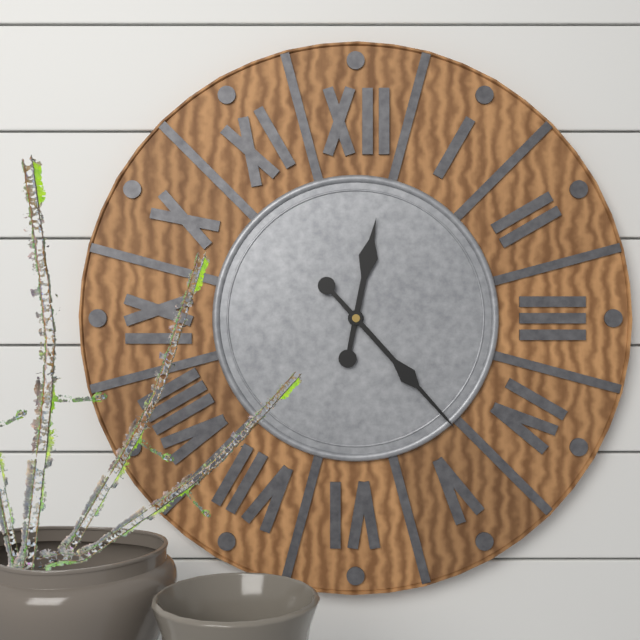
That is 12.23
